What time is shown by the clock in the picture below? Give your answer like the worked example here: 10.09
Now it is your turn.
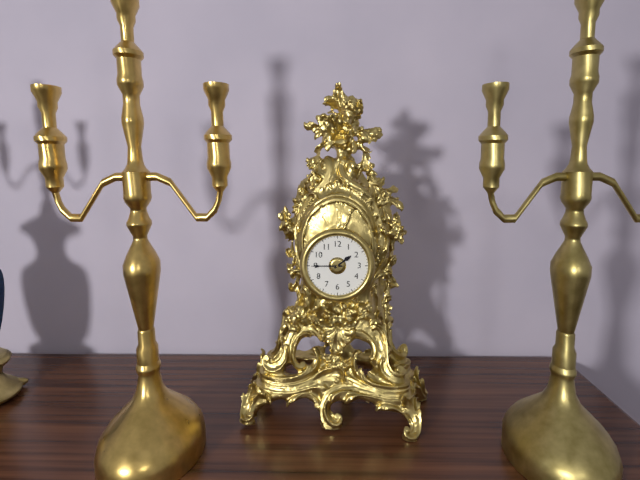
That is 1.45
